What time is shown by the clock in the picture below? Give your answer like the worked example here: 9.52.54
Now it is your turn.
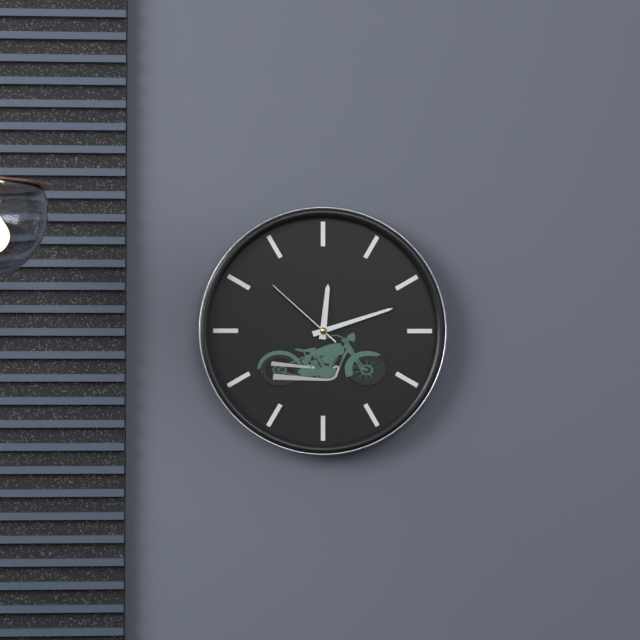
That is 12.12.52
